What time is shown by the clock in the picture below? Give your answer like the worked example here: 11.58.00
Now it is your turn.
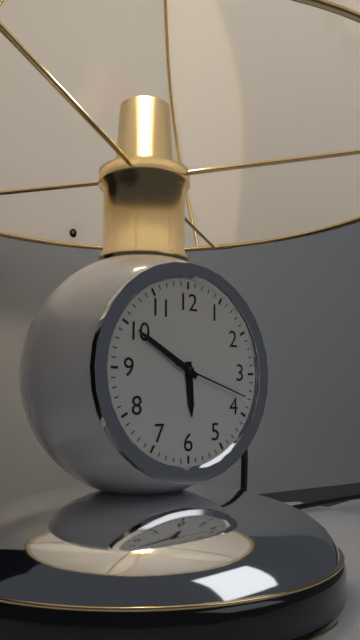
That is 5.50.18
